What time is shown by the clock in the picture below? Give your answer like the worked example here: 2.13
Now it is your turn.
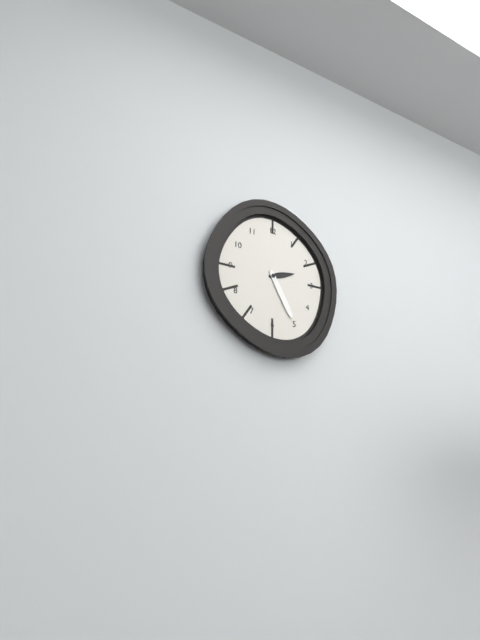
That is 2.25
